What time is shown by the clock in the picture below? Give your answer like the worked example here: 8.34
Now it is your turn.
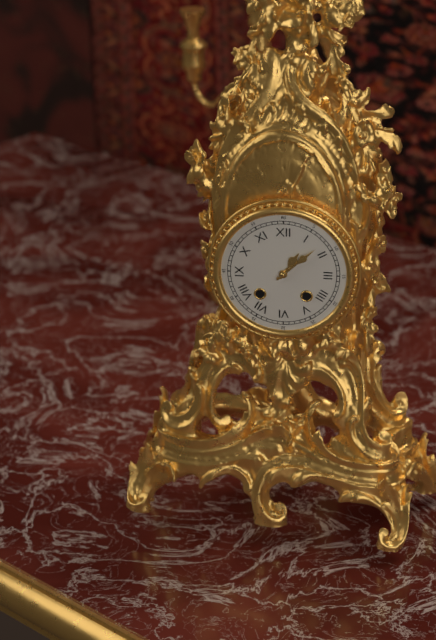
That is 1.08
